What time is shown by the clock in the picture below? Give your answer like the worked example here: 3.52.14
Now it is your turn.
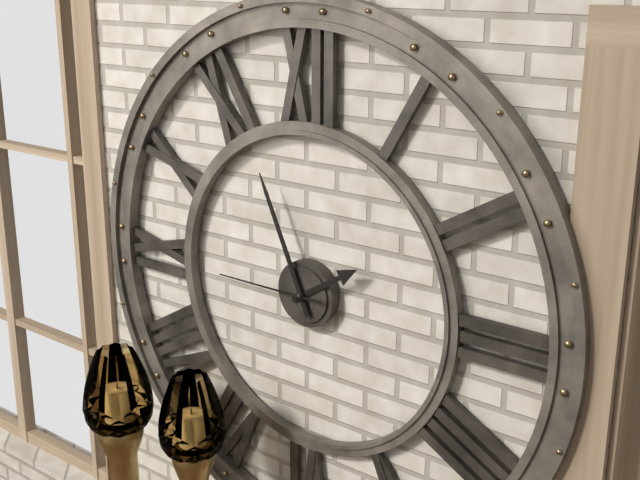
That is 1.56.45
